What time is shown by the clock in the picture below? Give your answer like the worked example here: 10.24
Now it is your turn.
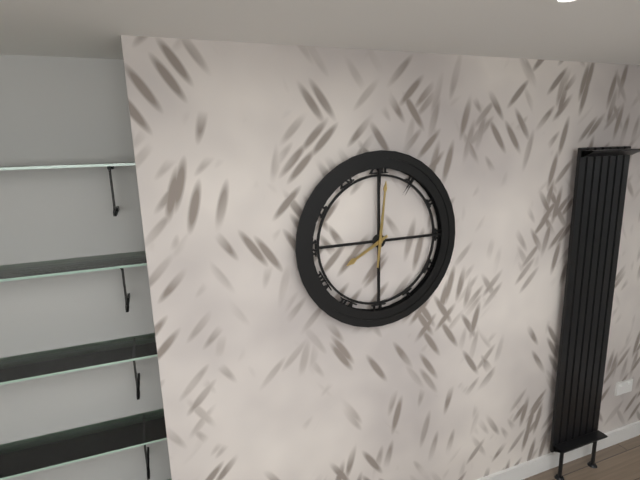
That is 8.01
